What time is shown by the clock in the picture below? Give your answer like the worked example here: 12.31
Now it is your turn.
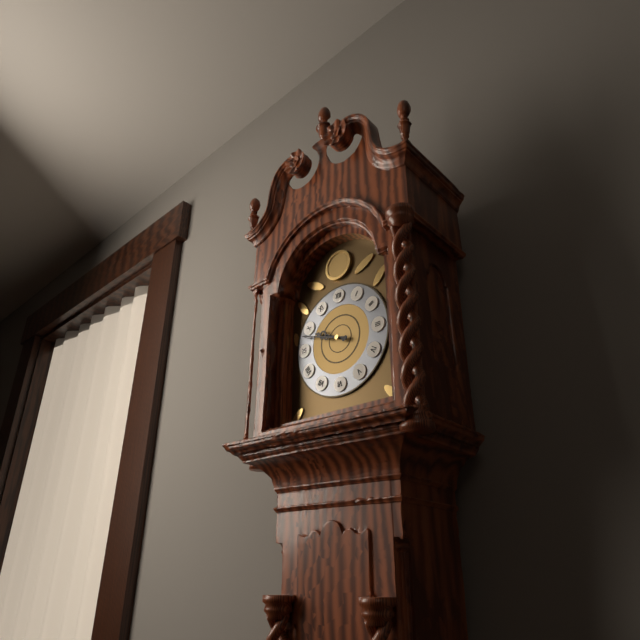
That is 9.48
